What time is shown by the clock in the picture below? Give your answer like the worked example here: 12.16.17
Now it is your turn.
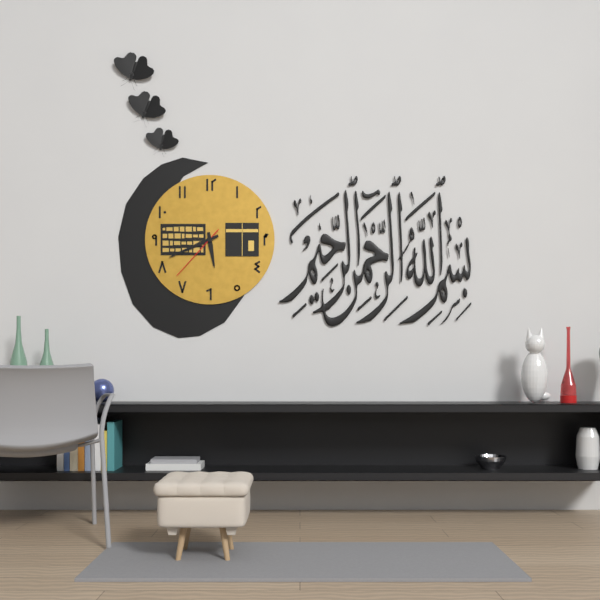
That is 5.41.37
